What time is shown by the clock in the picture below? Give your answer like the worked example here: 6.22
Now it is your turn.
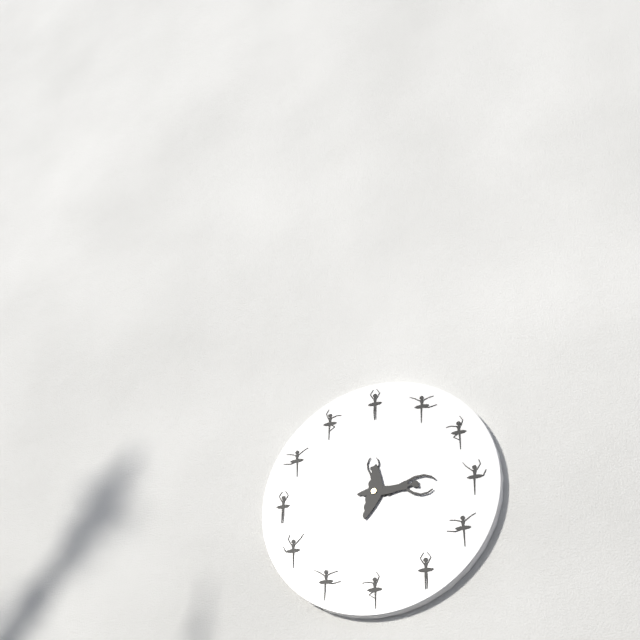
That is 12.17
